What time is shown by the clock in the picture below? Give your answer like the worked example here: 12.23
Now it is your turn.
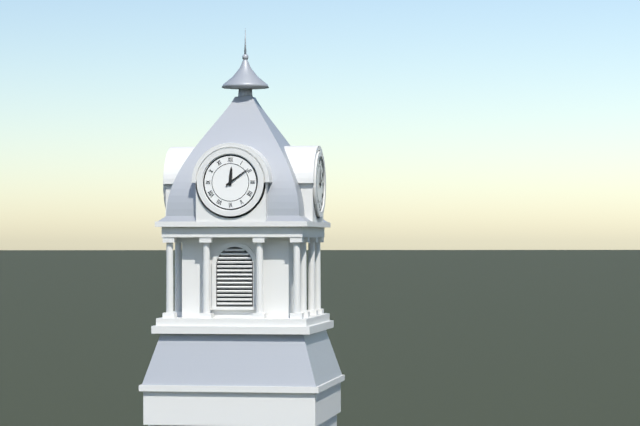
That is 12.09
